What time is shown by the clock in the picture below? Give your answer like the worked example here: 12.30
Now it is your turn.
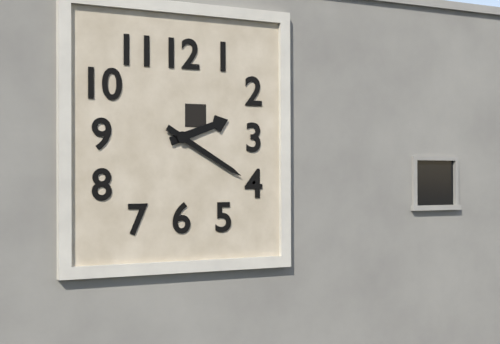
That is 2.20
